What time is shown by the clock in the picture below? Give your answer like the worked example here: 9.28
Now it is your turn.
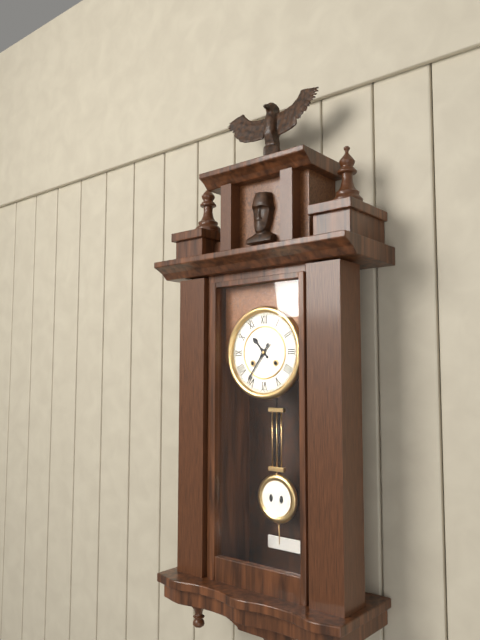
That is 10.36
